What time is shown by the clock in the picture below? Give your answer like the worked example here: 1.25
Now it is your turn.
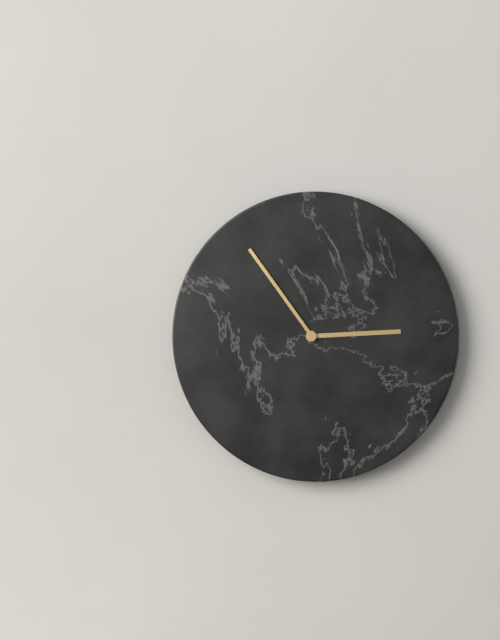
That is 2.54
